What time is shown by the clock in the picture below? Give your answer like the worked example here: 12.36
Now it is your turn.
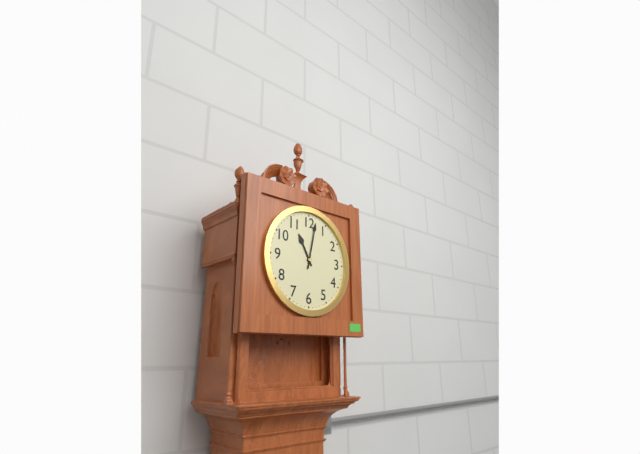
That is 11.02
